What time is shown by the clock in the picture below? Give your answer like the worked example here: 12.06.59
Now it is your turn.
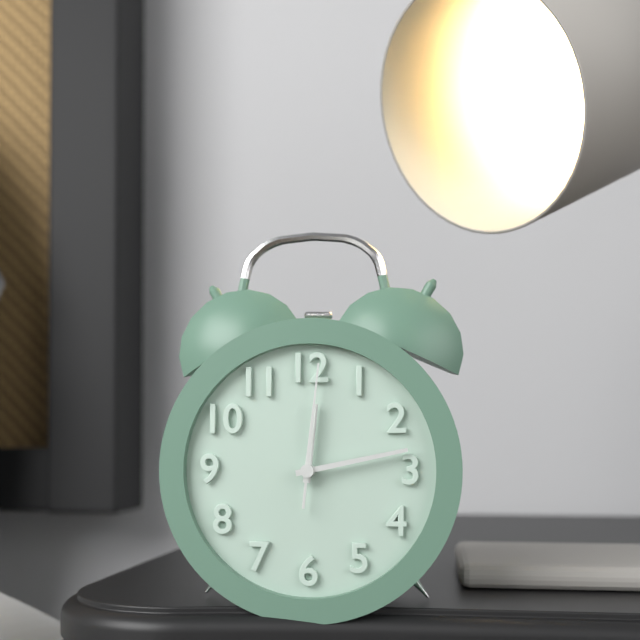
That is 12.13.01
